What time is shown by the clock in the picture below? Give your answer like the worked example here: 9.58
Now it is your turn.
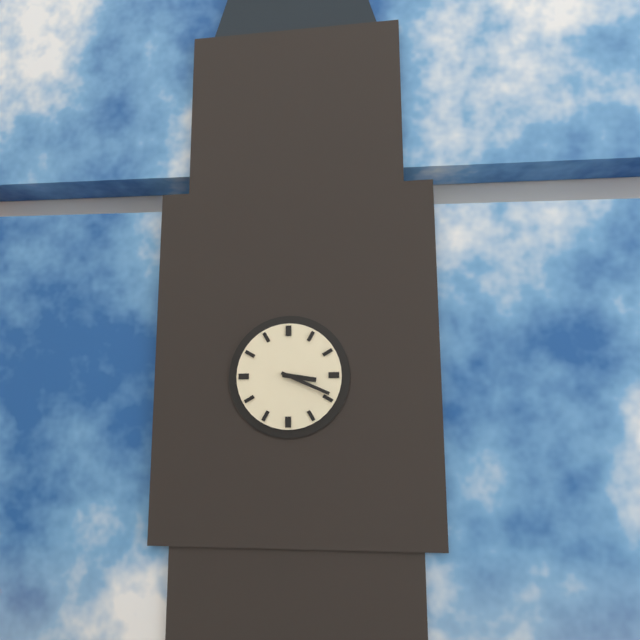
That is 3.19
